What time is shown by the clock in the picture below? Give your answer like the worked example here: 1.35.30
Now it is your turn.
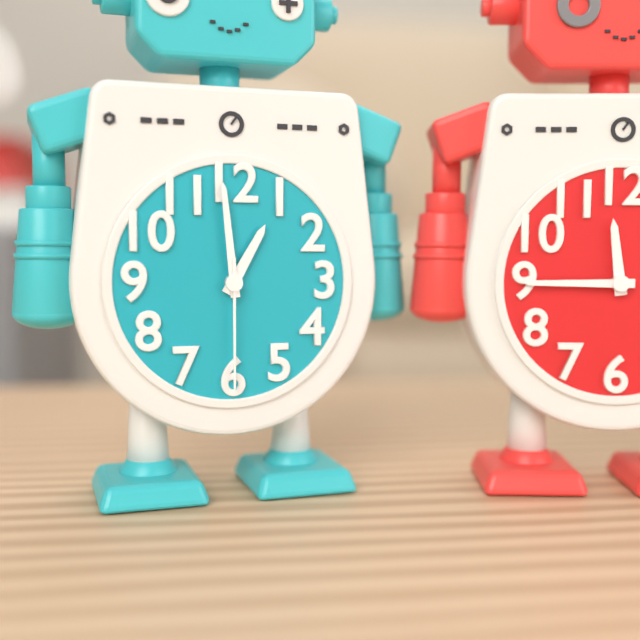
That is 12.59.30
